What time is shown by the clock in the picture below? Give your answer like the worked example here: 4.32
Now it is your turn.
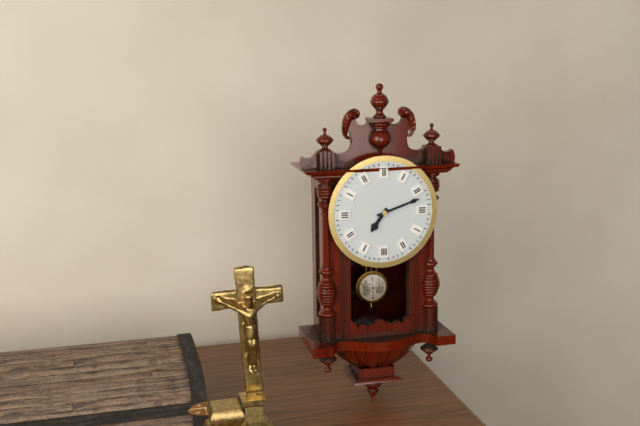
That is 7.12
